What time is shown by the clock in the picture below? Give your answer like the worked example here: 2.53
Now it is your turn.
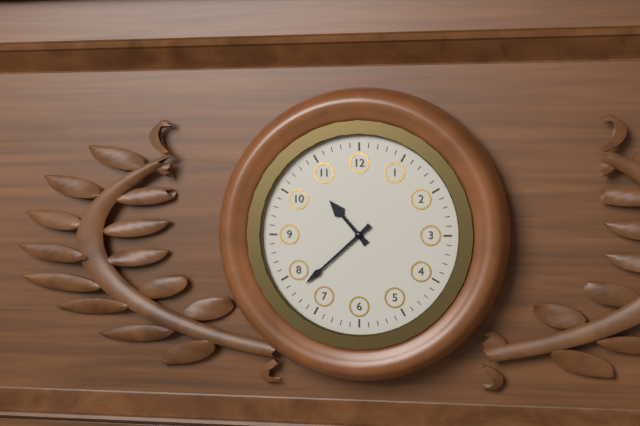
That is 10.38
